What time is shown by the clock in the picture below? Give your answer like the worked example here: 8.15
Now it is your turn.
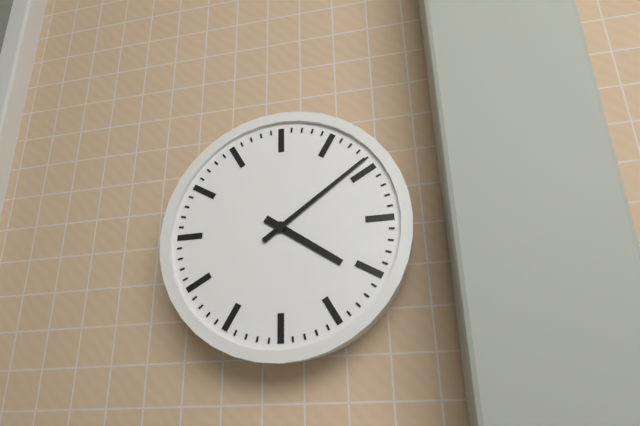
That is 4.09
